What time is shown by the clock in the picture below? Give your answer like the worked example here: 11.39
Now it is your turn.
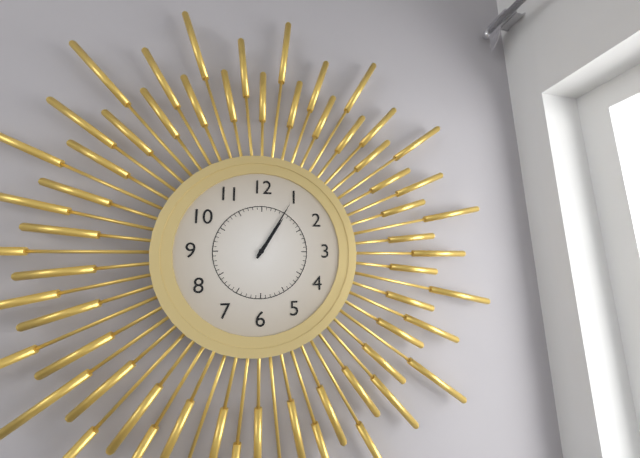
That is 1.05
